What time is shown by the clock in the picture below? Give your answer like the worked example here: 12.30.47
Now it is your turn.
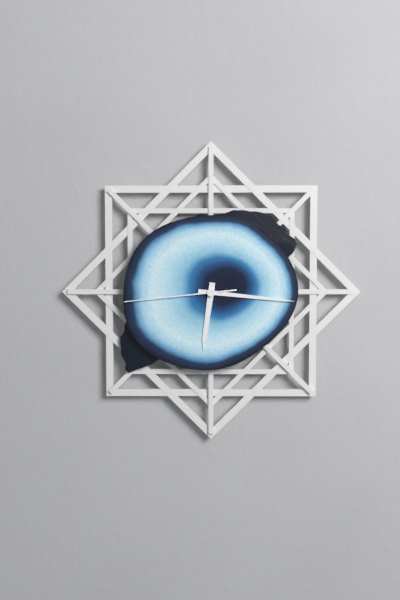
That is 6.16.44
